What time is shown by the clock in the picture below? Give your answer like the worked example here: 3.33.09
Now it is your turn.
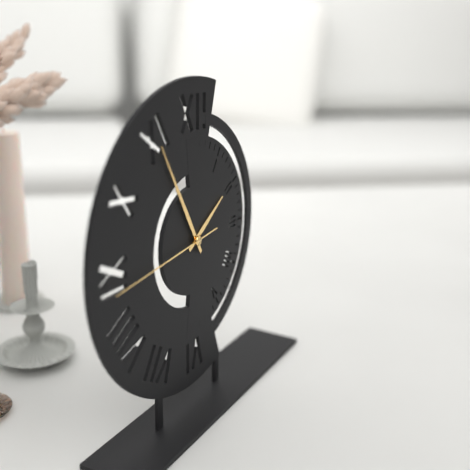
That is 1.55.44
